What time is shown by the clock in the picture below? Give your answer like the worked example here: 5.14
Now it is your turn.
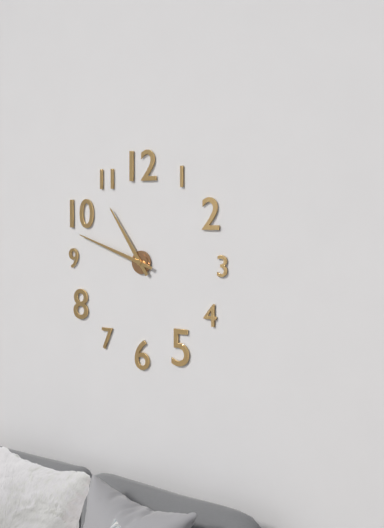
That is 10.48
